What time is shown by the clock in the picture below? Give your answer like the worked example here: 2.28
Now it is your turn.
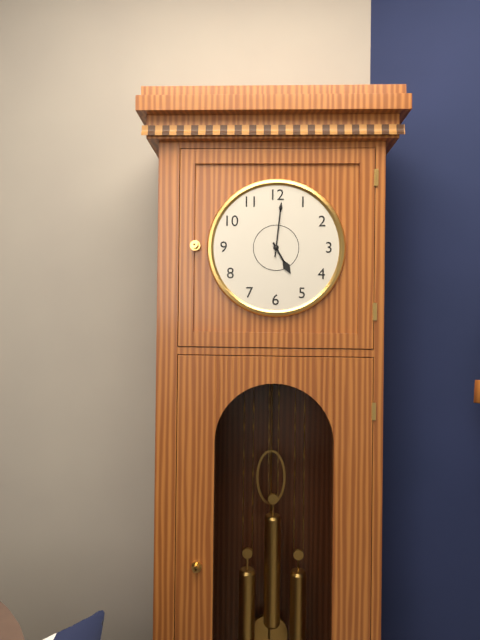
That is 5.01
